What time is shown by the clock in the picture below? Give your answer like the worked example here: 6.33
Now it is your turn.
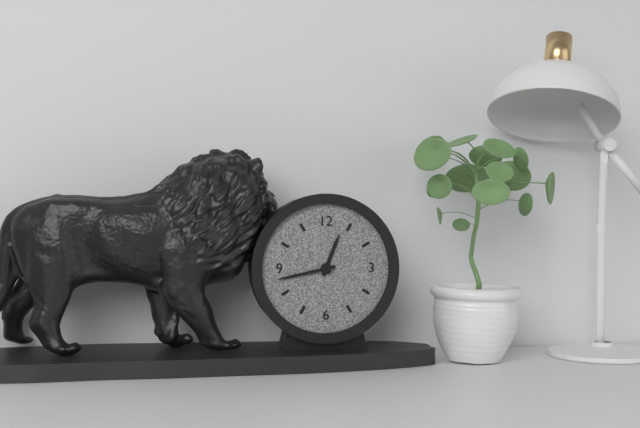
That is 12.43
